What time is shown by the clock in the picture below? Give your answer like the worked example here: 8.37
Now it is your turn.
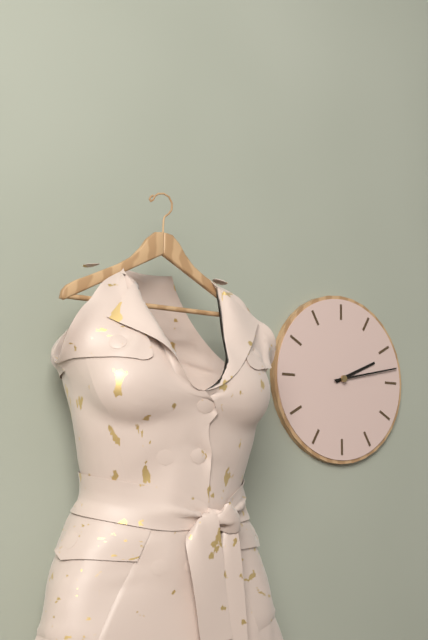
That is 2.13
